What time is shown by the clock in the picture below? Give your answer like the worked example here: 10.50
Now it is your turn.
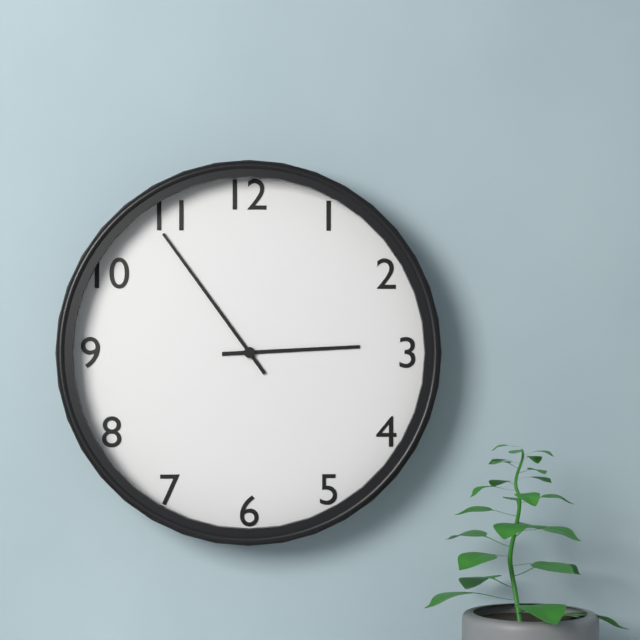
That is 2.54
